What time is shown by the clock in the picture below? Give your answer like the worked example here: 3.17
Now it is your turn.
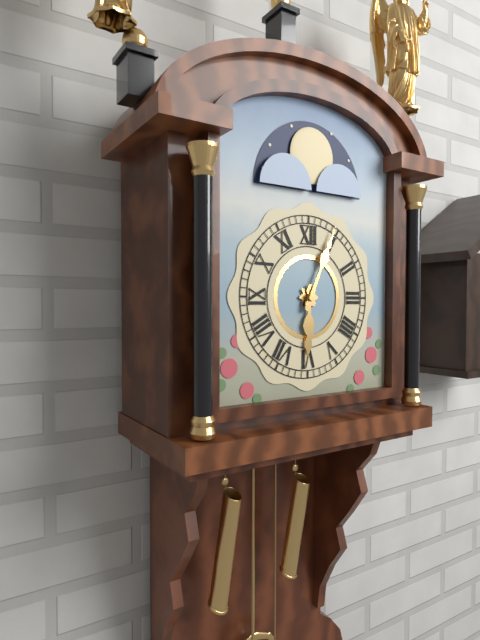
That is 6.04
